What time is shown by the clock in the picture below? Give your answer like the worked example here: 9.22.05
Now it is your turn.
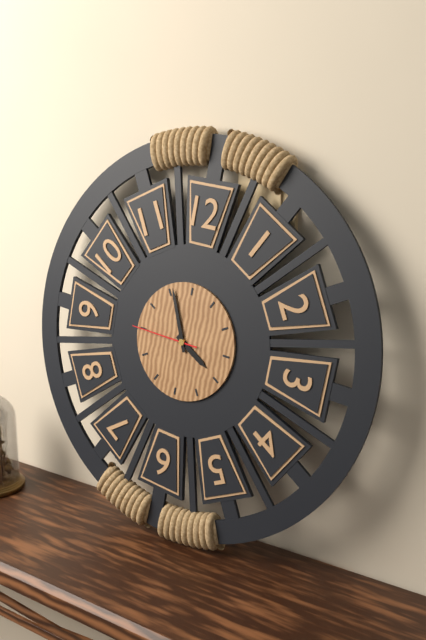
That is 3.56.45
